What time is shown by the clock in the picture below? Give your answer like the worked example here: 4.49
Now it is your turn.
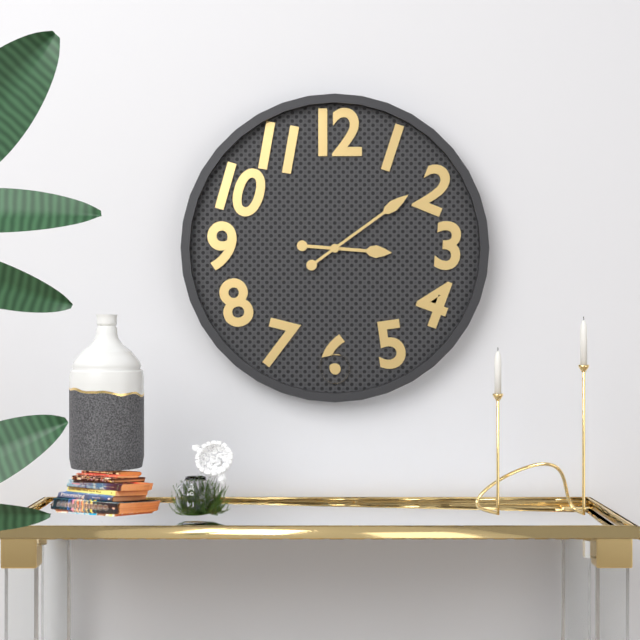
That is 3.09
